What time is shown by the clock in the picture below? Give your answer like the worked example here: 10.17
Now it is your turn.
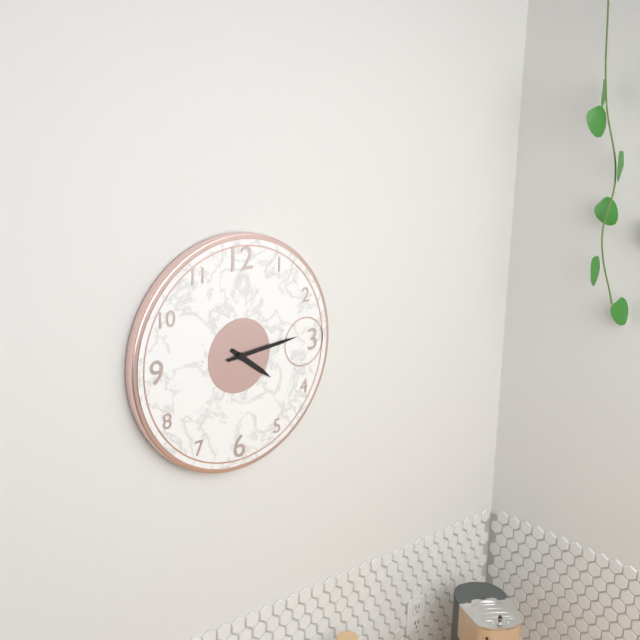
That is 4.14
